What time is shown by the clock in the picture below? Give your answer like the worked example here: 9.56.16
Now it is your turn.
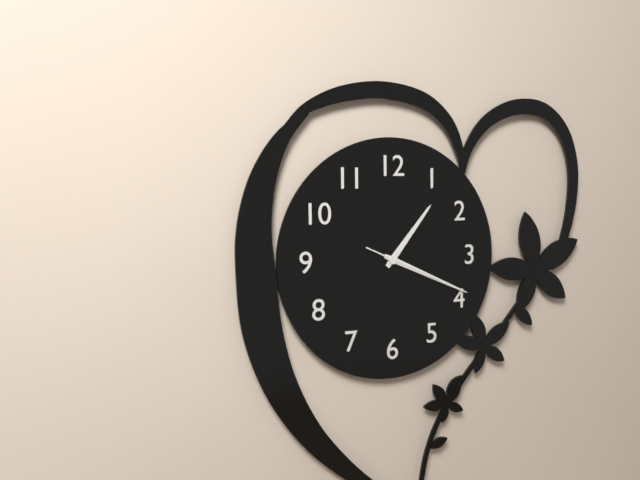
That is 1.19.19
